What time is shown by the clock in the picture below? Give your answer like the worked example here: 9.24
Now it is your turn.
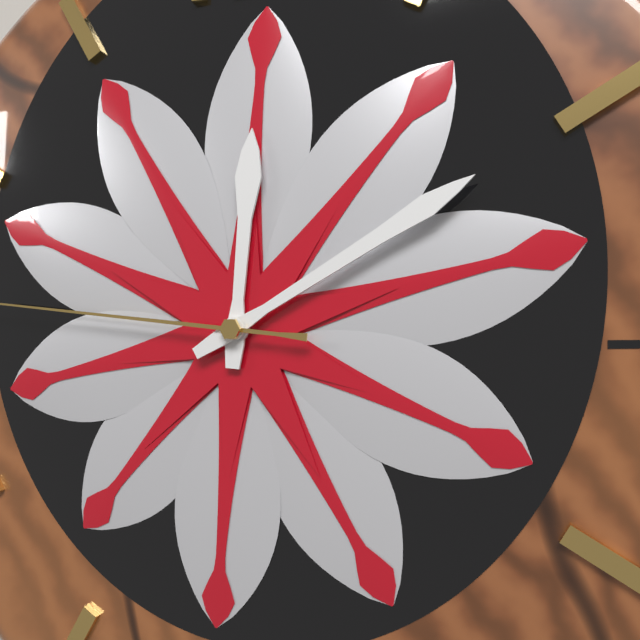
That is 12.10
